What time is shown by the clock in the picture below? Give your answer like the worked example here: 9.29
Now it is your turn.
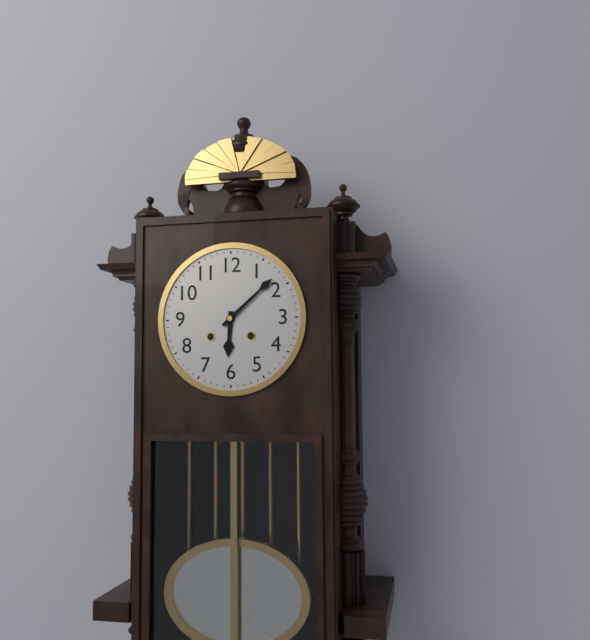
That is 6.08
